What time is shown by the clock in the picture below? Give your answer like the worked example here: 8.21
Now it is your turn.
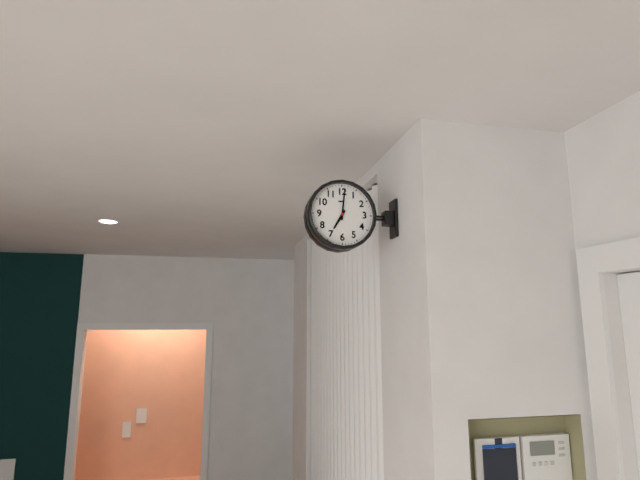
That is 7.01
